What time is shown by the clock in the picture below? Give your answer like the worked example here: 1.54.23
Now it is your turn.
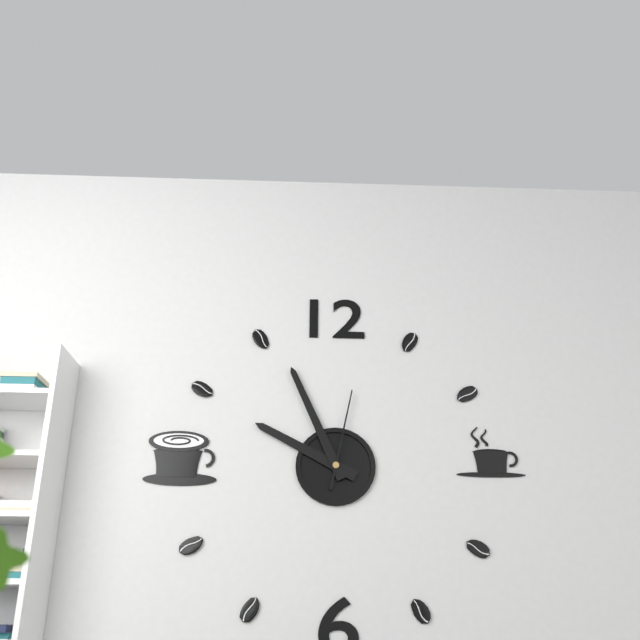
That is 9.56.02
